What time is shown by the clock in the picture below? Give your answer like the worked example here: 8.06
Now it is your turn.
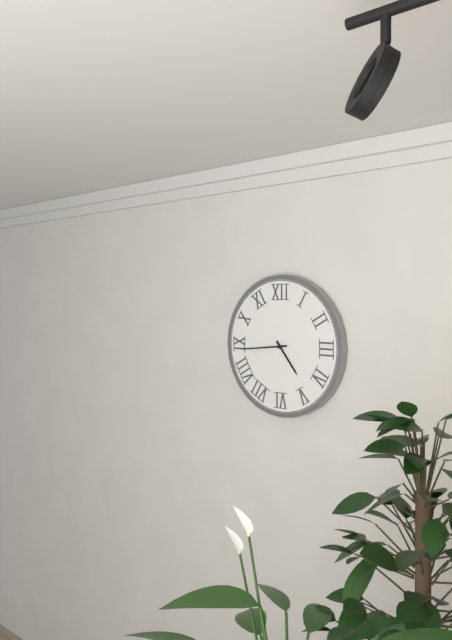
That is 4.44
